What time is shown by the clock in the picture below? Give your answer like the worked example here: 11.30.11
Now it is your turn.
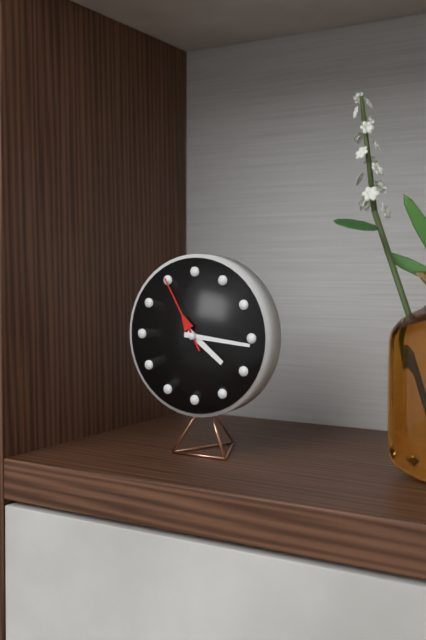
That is 4.16.55
